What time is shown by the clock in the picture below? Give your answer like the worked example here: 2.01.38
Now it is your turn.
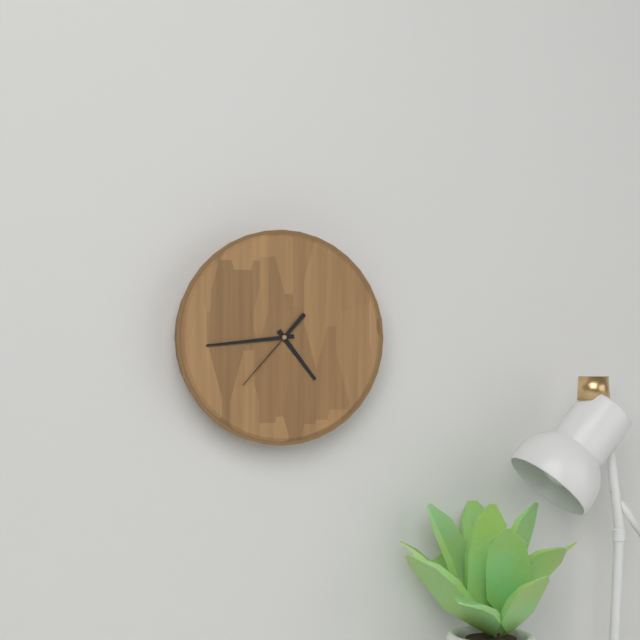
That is 4.44.37
